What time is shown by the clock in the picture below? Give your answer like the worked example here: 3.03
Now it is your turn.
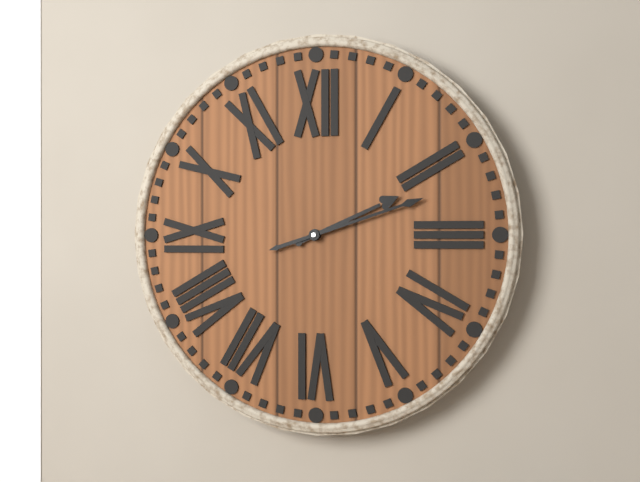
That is 2.12
